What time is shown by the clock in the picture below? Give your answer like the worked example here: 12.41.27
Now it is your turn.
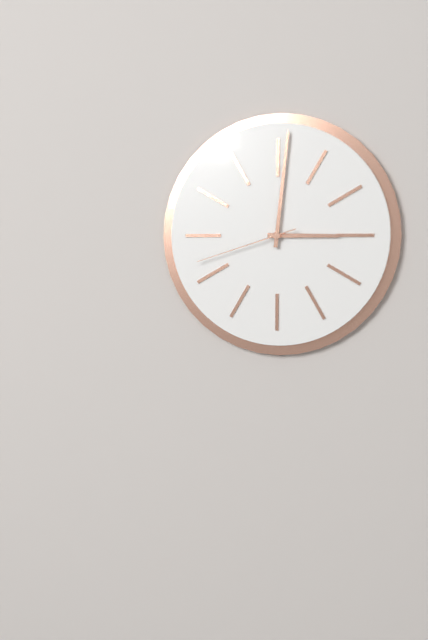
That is 3.01.42
